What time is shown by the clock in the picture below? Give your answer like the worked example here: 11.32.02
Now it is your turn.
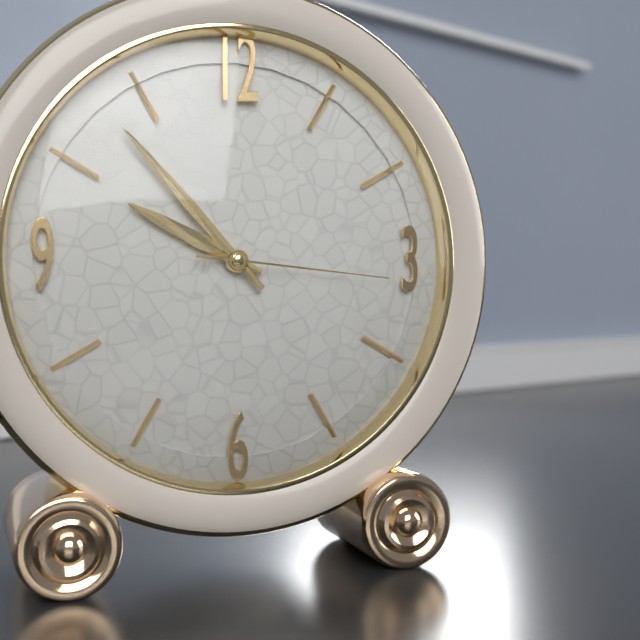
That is 9.53.16
